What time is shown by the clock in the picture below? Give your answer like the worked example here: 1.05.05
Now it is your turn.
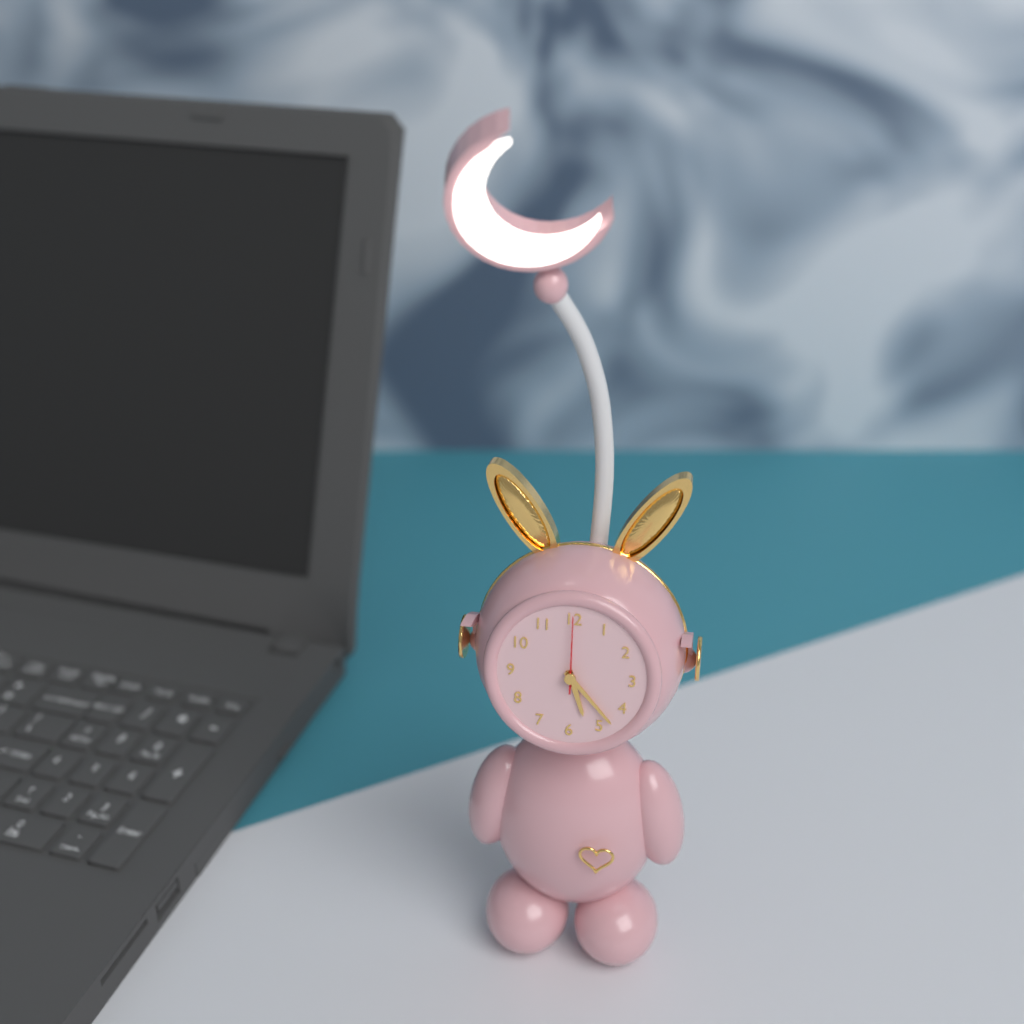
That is 5.23.00
